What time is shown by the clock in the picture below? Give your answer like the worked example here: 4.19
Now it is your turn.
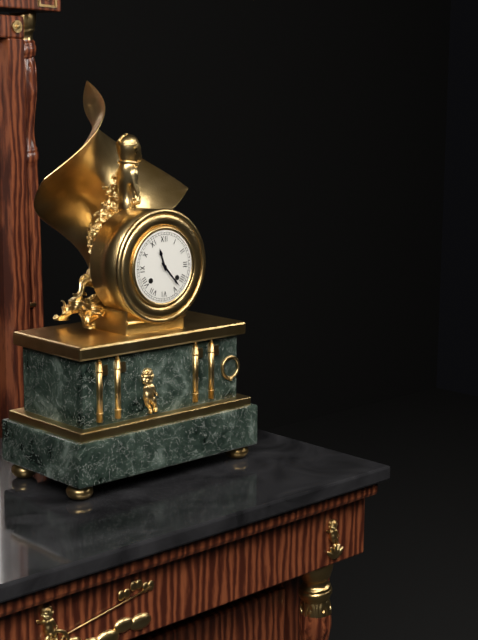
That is 11.23
